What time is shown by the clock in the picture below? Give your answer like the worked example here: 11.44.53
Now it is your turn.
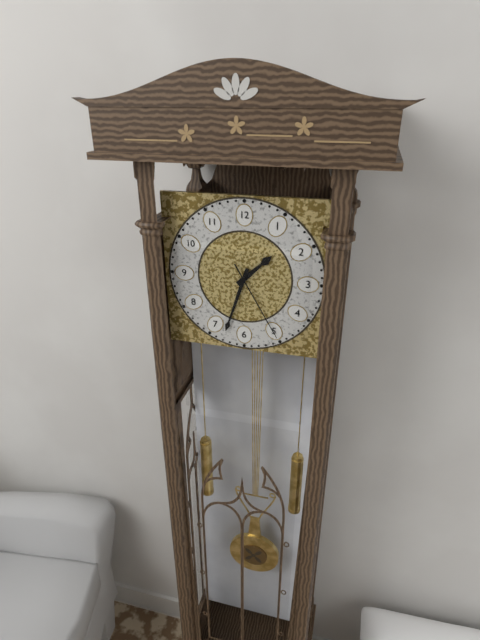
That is 1.33.25
